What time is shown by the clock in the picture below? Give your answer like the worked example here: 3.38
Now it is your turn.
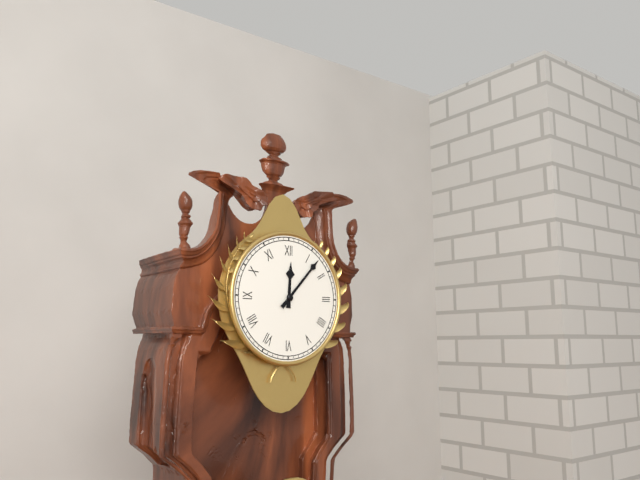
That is 12.07
